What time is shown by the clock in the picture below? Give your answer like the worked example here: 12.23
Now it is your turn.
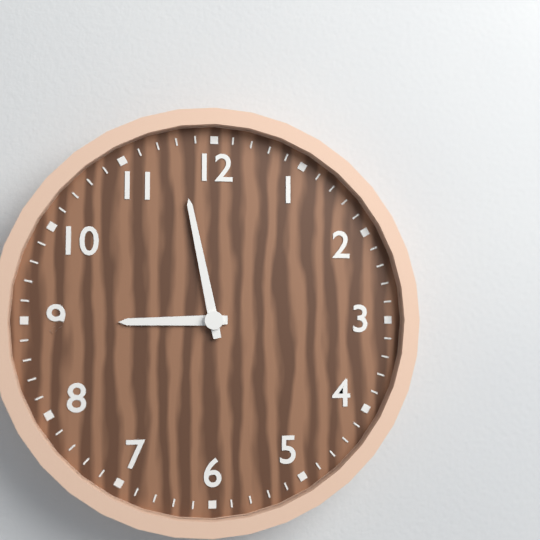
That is 8.58
